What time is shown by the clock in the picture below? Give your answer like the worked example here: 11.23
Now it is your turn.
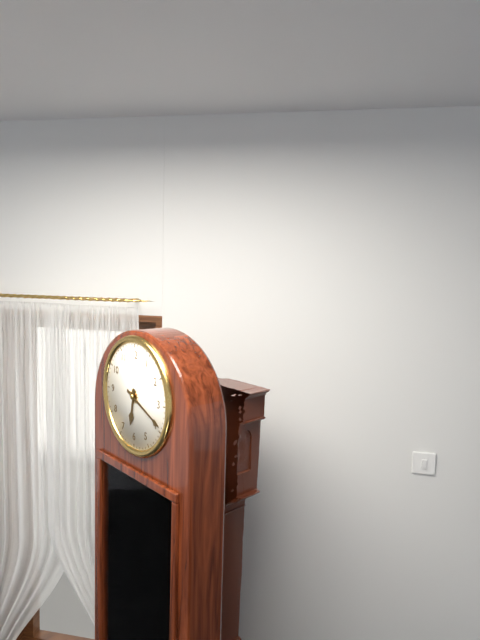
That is 6.19
